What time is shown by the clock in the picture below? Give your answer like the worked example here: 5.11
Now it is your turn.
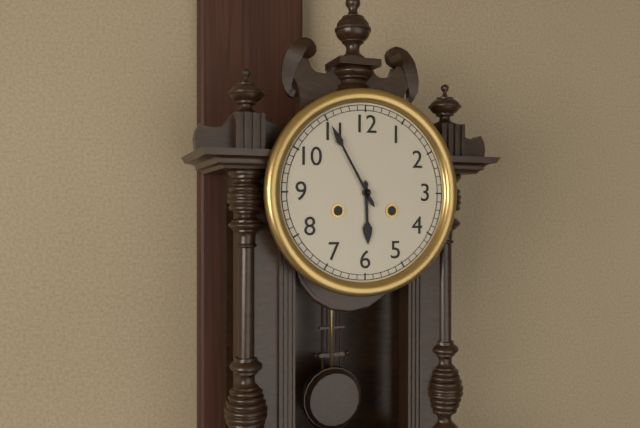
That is 5.55
